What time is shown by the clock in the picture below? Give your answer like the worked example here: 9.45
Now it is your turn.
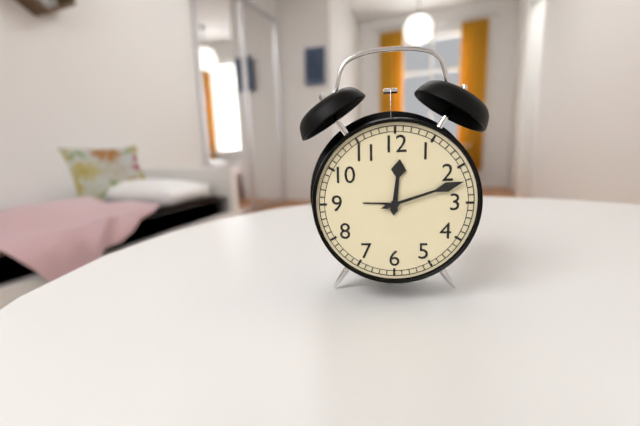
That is 12.12
